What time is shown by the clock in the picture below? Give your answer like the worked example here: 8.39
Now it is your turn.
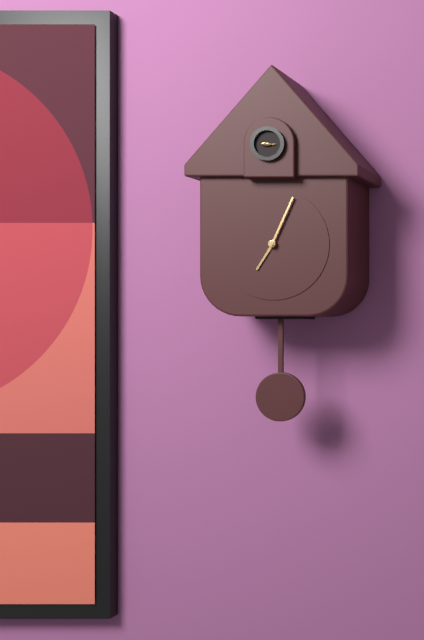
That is 7.04
